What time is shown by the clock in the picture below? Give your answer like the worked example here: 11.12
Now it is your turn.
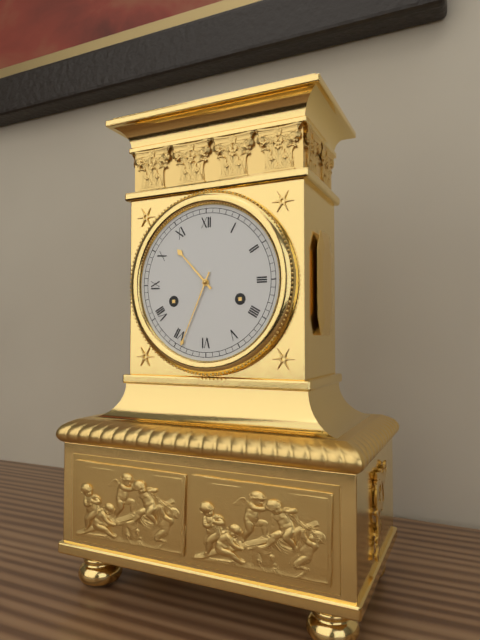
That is 10.34
